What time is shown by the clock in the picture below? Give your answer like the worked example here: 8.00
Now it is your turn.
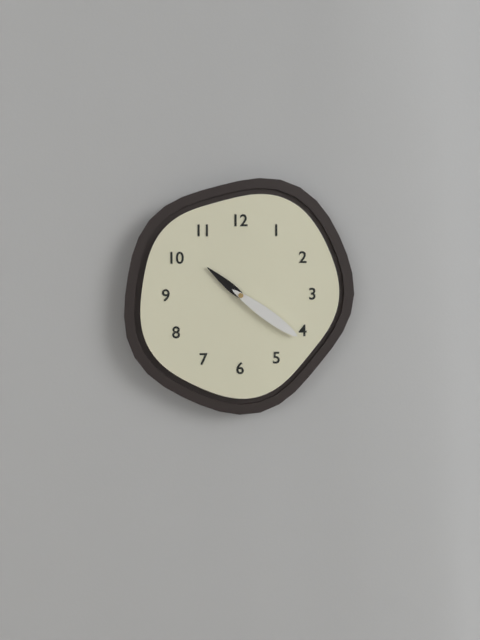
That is 10.21
